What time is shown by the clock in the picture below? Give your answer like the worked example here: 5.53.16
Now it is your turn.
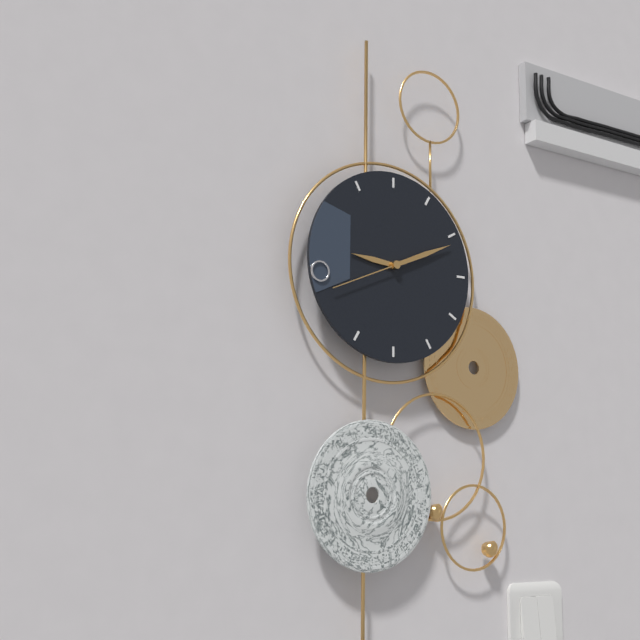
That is 9.11.41
